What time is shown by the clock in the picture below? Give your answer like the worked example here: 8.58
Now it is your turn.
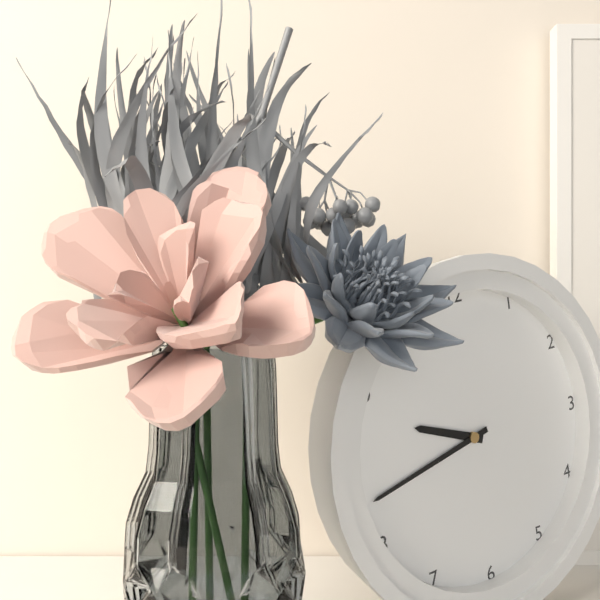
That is 9.43
